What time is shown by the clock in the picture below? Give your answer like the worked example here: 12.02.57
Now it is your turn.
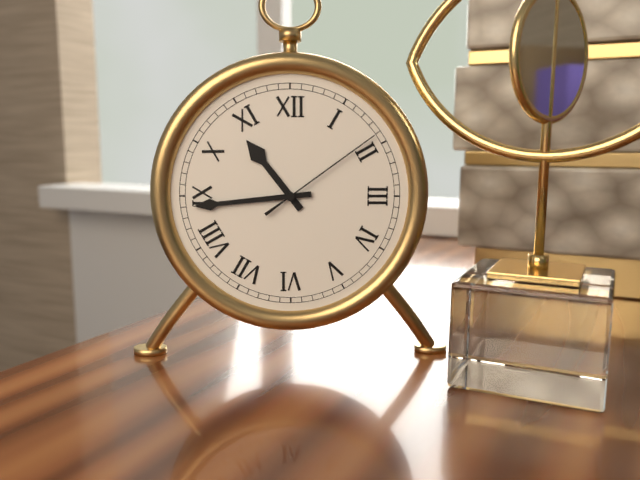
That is 10.44.09
